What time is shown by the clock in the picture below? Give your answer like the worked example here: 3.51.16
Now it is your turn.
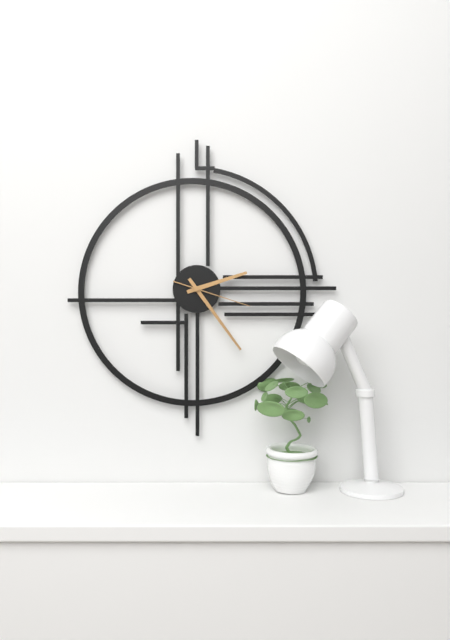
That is 2.24.18
